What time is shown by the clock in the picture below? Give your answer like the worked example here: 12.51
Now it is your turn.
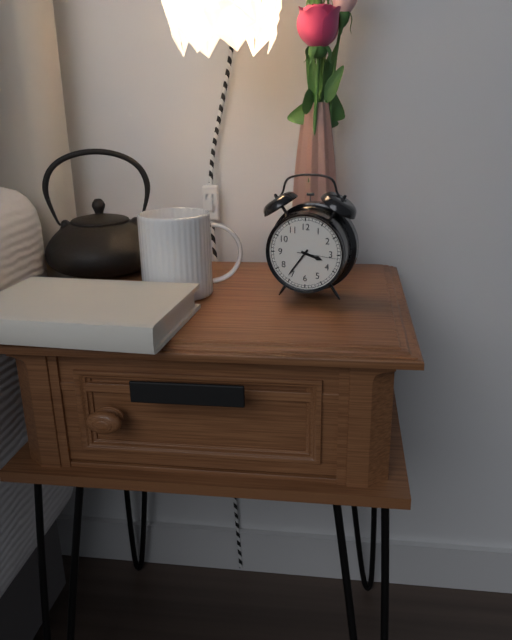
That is 3.36
